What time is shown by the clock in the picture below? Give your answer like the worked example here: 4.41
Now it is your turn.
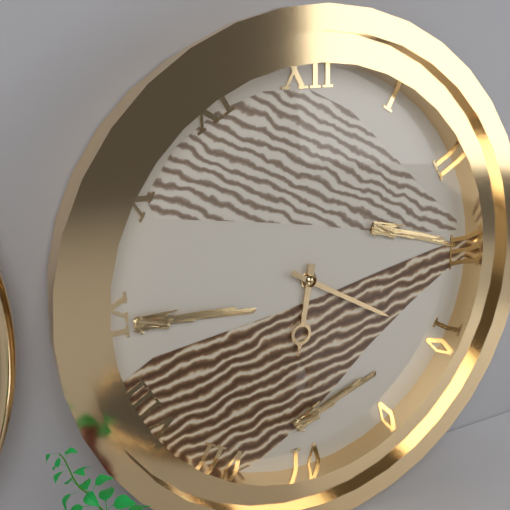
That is 6.20
